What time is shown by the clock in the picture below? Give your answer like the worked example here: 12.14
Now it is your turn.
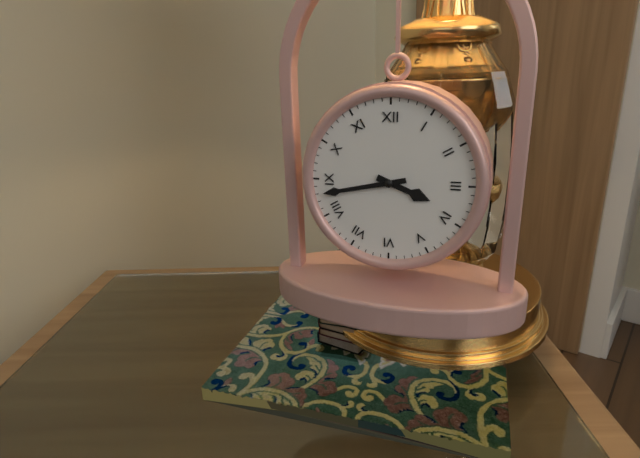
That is 3.43
